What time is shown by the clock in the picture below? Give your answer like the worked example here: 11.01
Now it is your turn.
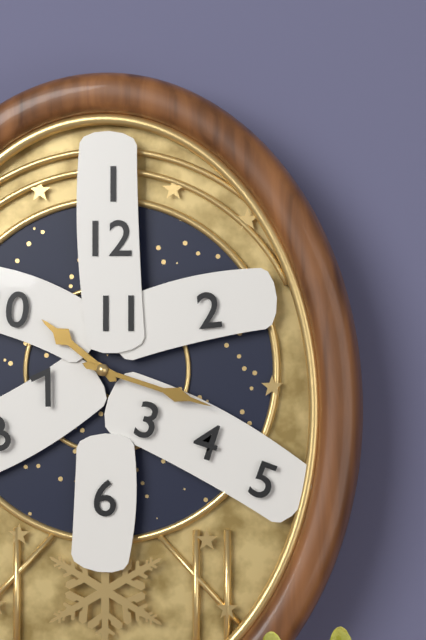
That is 10.18
